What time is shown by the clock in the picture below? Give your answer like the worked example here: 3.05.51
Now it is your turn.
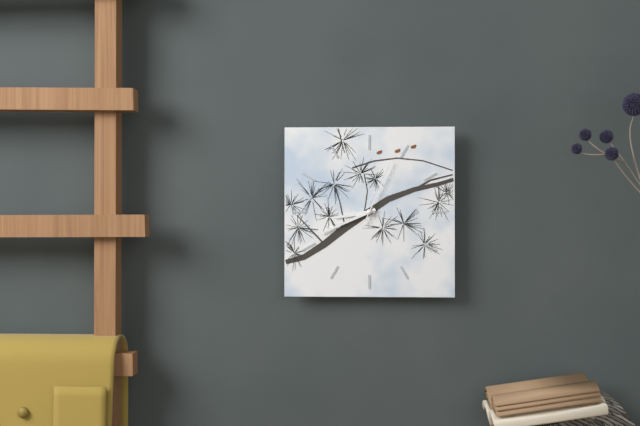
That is 8.41.04
